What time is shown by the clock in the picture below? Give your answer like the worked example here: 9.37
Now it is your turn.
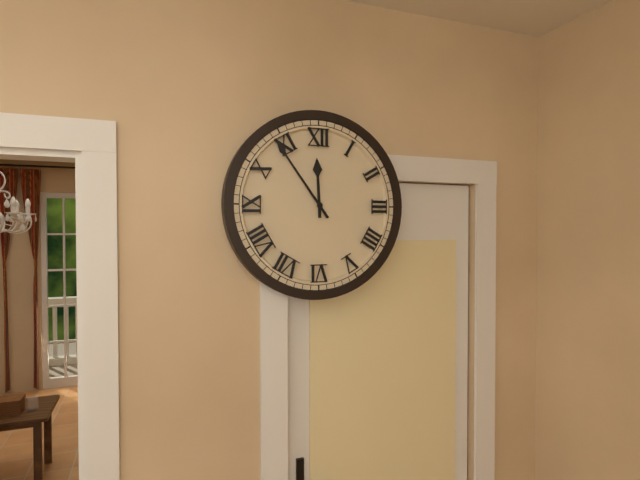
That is 11.54
